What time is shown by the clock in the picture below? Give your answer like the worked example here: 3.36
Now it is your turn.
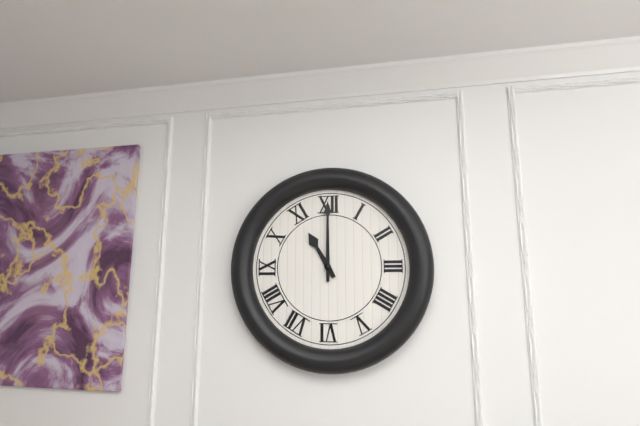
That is 11.00
